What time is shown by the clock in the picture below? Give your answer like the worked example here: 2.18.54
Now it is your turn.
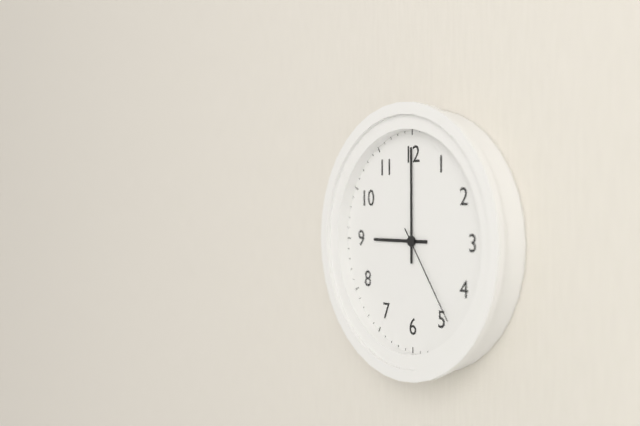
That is 9.00.24
